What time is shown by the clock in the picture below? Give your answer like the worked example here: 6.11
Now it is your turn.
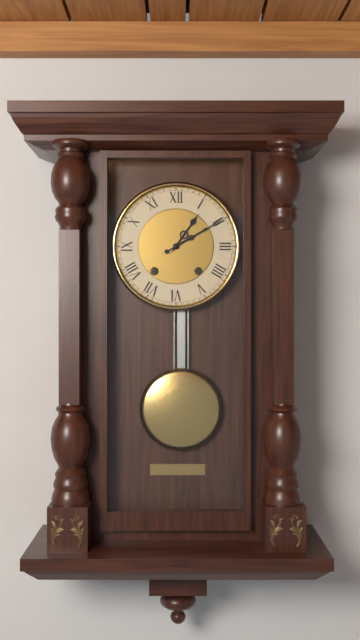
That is 1.10
